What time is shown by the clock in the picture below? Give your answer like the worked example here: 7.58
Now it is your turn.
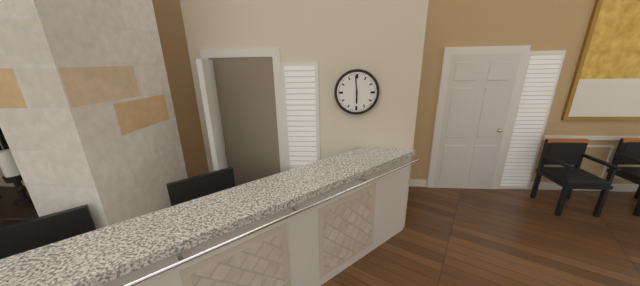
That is 5.59
